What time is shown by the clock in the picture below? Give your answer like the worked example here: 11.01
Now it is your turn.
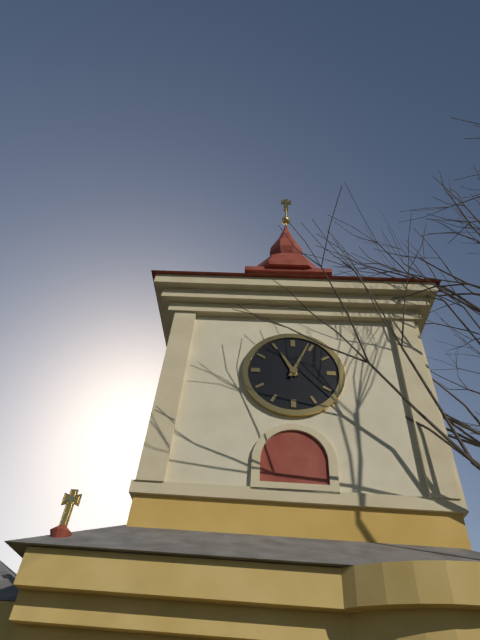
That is 11.04
